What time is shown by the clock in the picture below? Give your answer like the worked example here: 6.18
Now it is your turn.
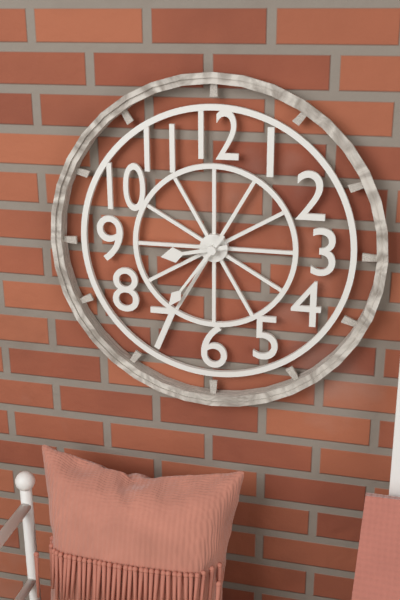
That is 8.36
